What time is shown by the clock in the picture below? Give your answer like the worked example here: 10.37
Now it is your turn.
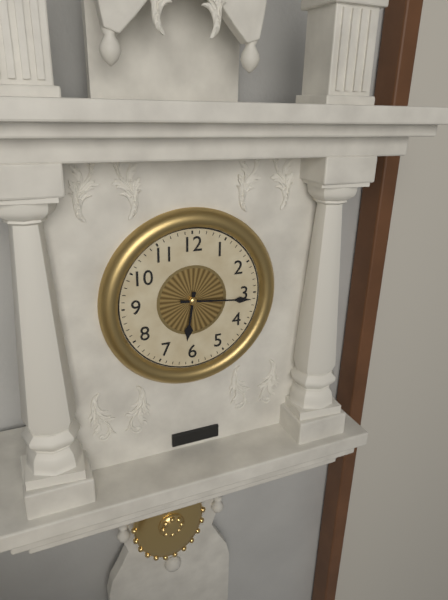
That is 6.16
